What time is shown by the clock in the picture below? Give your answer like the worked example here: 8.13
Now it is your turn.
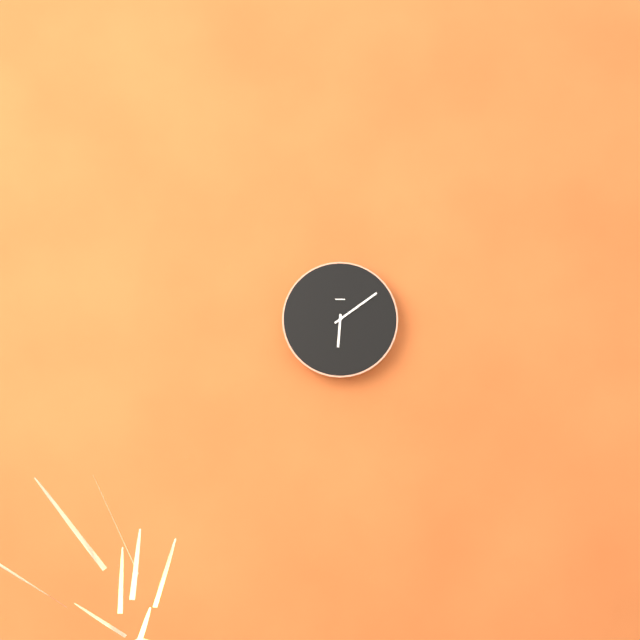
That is 6.09
